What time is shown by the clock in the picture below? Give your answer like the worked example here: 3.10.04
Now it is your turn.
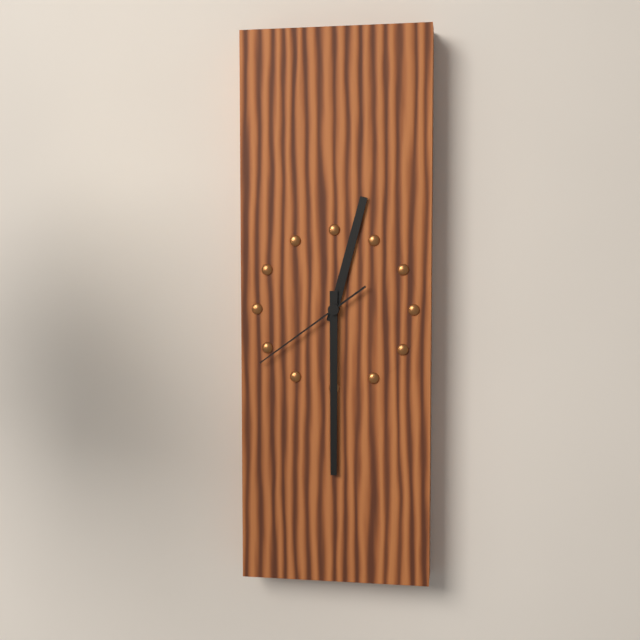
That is 12.30.39
